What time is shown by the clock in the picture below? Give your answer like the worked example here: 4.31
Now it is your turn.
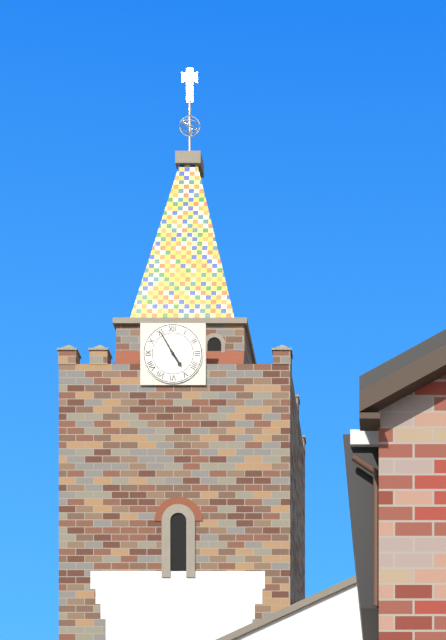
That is 4.55
